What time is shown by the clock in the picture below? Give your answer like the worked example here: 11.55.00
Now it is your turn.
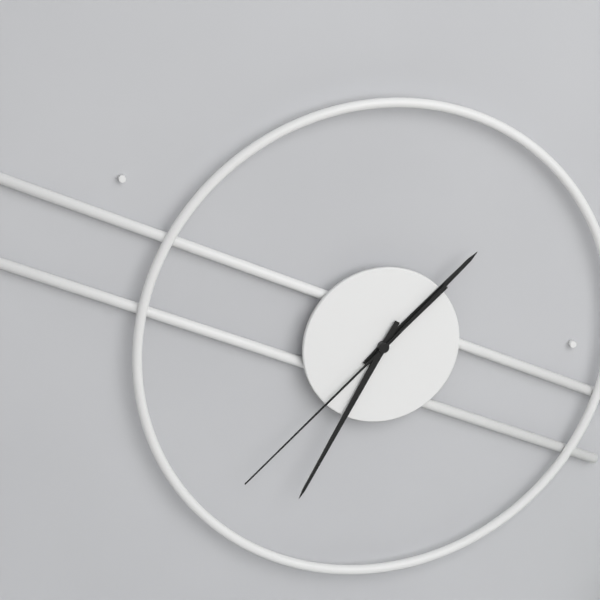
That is 1.35.38
